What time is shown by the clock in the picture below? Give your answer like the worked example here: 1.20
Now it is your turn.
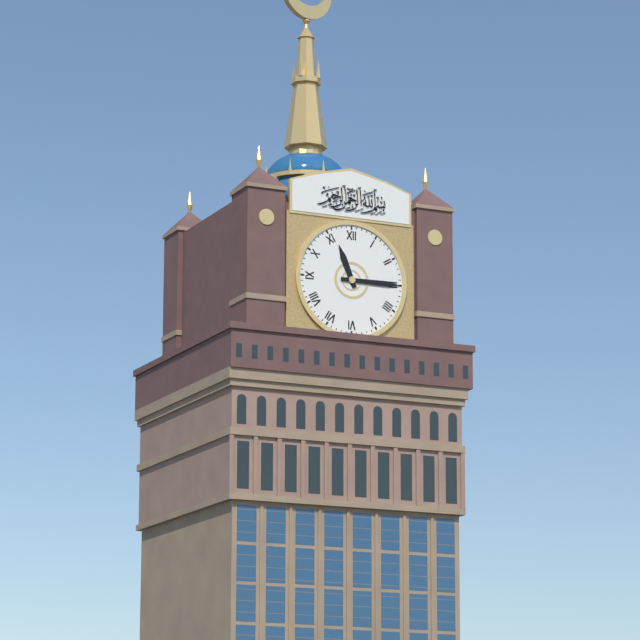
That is 11.15
